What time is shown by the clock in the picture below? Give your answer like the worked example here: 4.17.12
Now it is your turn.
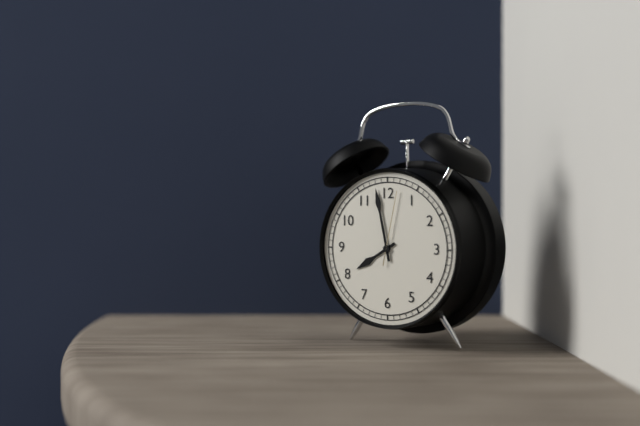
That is 7.58.02
